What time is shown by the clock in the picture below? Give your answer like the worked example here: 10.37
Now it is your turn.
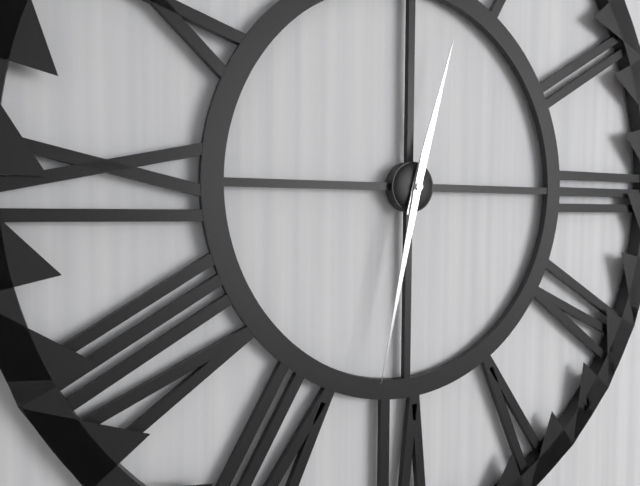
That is 12.32
